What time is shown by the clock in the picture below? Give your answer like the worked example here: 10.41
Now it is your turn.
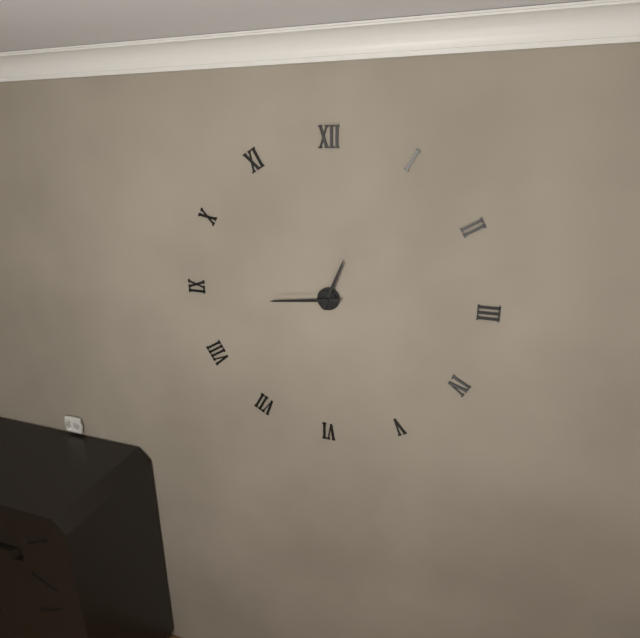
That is 12.44
